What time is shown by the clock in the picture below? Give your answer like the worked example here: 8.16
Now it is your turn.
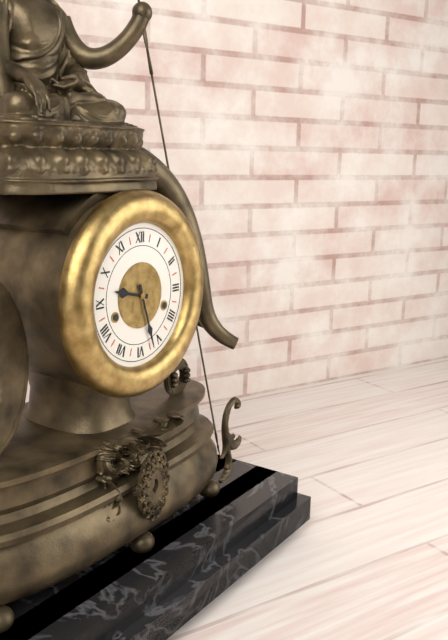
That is 9.27
